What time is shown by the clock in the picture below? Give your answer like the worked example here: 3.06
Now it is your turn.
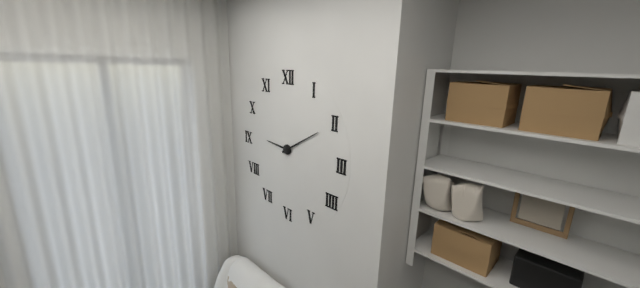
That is 9.10
